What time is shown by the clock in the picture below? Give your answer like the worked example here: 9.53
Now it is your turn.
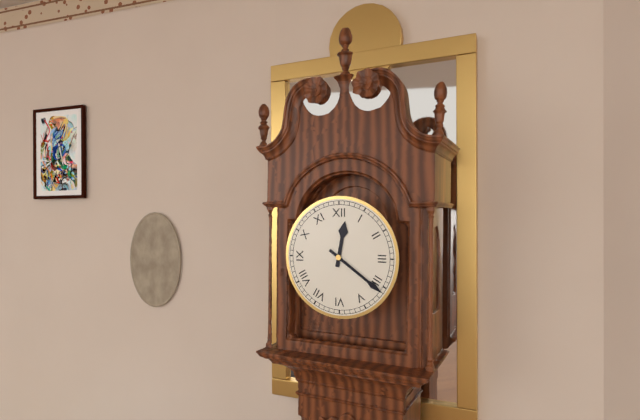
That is 12.21
